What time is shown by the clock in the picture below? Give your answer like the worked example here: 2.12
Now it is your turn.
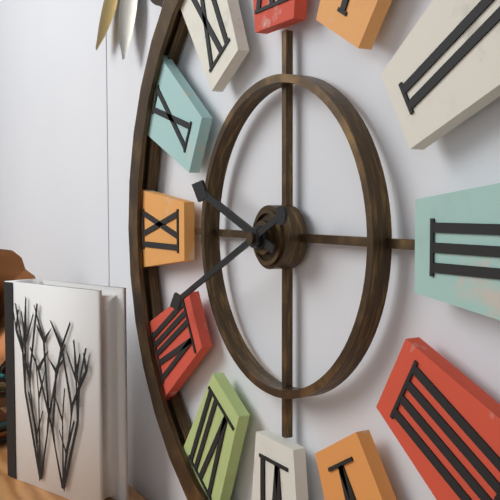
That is 9.41
